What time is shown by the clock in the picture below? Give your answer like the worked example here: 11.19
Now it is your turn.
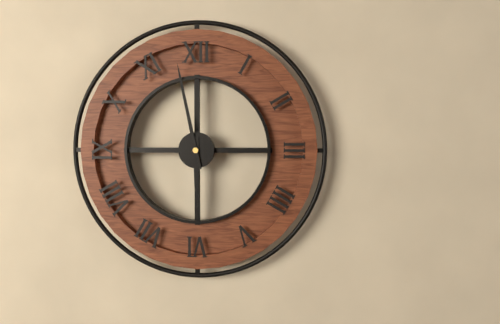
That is 5.58
